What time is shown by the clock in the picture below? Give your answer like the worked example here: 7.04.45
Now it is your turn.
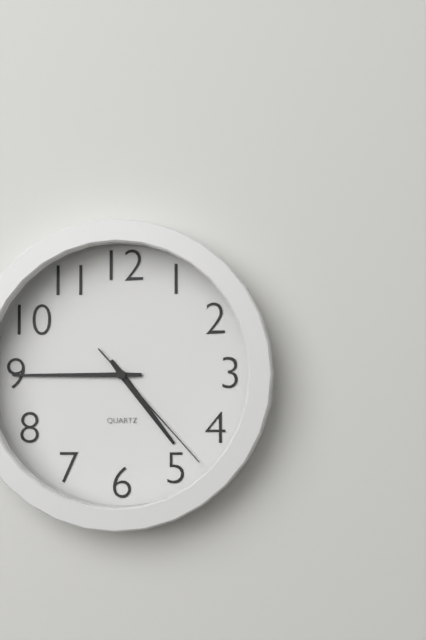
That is 4.45.23
